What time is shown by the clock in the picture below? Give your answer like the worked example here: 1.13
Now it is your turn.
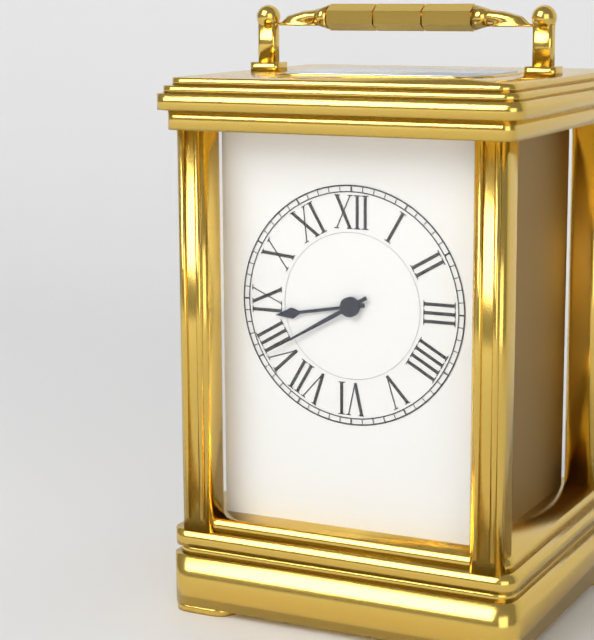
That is 8.40
